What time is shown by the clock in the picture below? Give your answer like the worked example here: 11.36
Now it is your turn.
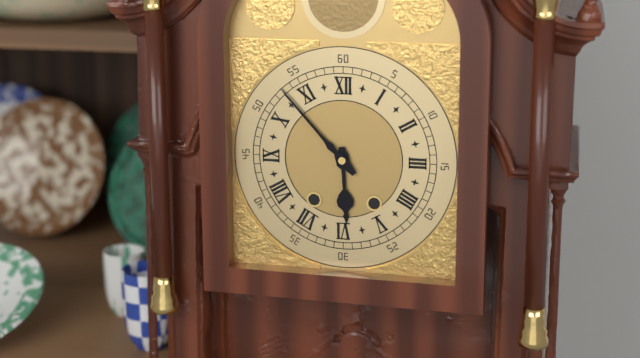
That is 5.53
